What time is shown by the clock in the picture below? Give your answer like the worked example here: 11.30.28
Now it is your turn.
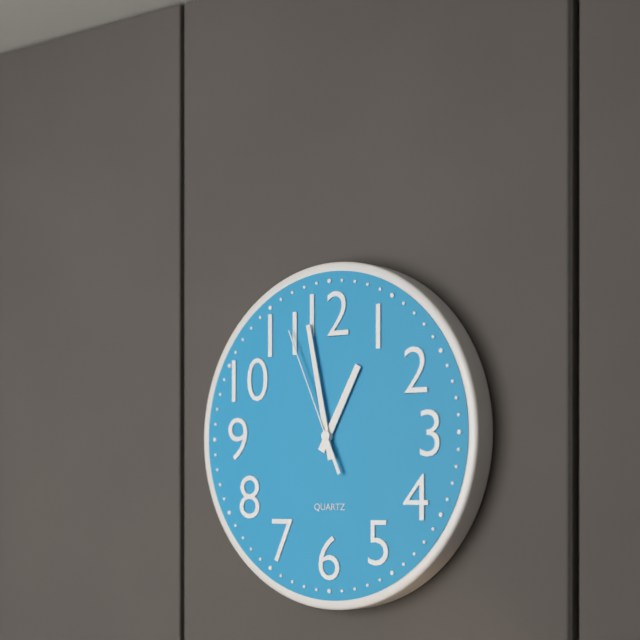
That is 12.58.56
